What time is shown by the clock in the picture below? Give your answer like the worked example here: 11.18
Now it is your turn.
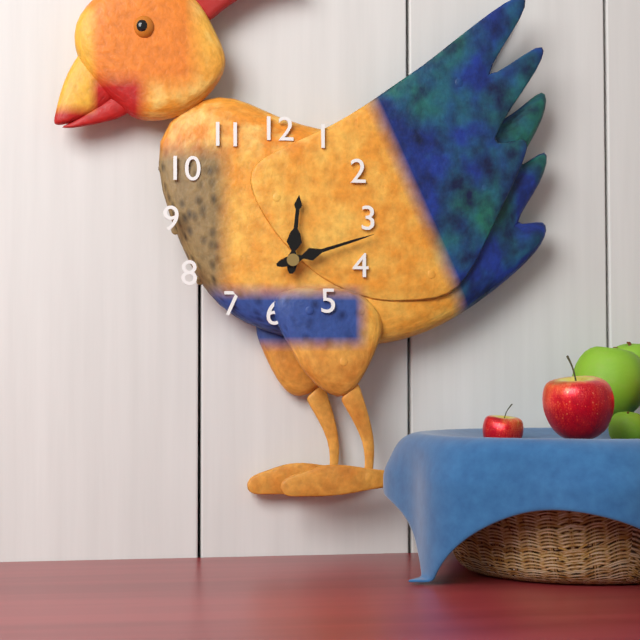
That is 12.12
